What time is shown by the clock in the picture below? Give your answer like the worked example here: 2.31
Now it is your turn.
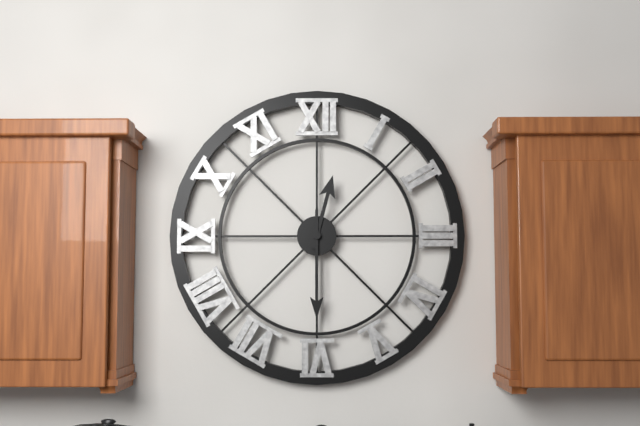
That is 12.30
